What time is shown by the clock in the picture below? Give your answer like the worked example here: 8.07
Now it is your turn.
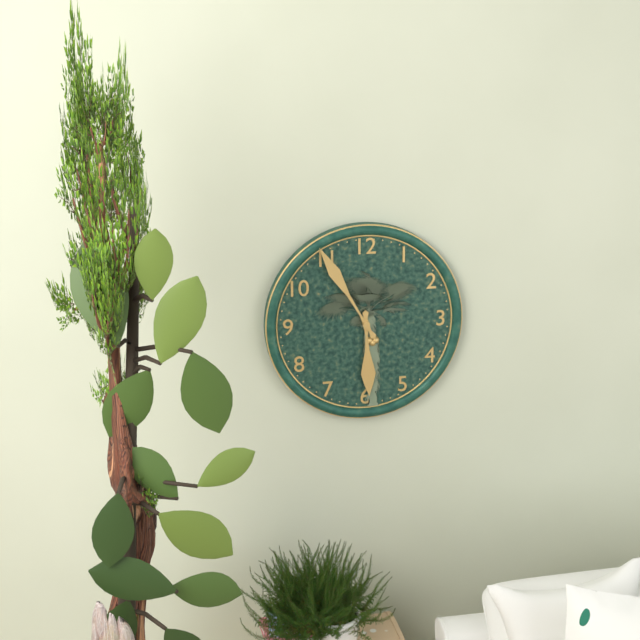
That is 5.55
